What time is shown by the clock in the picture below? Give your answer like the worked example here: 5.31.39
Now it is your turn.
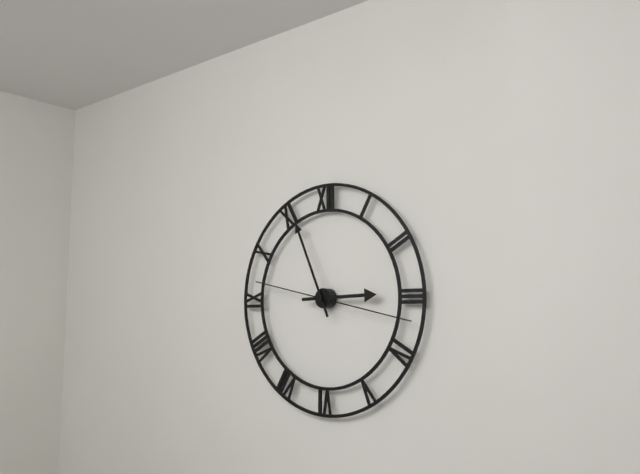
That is 2.56.17
